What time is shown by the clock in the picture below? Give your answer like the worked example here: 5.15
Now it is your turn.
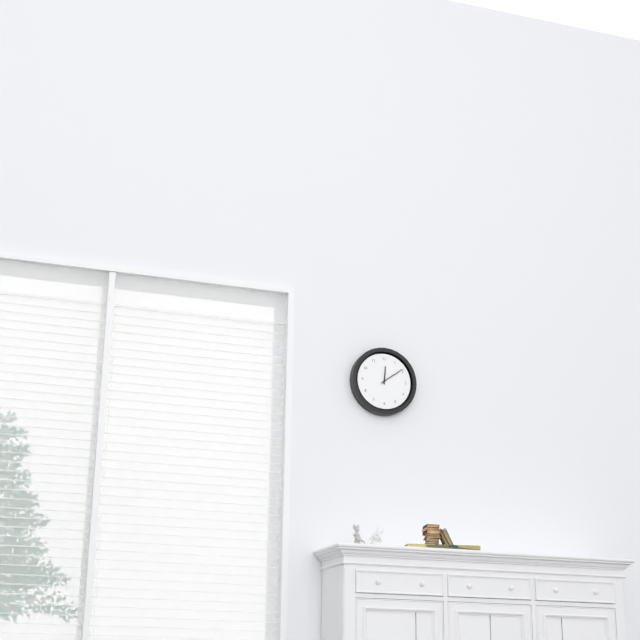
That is 12.09
